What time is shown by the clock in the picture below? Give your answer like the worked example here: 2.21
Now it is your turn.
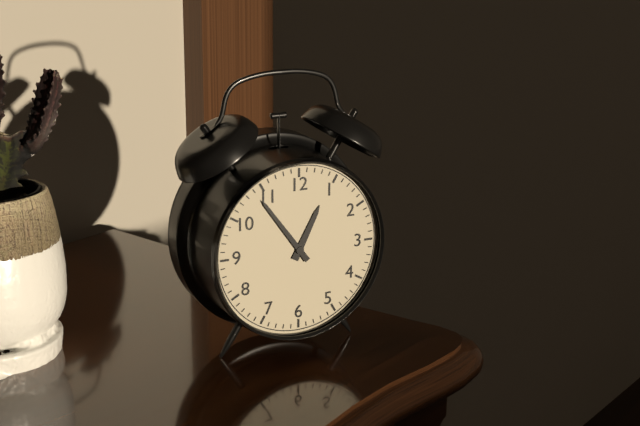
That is 12.54
